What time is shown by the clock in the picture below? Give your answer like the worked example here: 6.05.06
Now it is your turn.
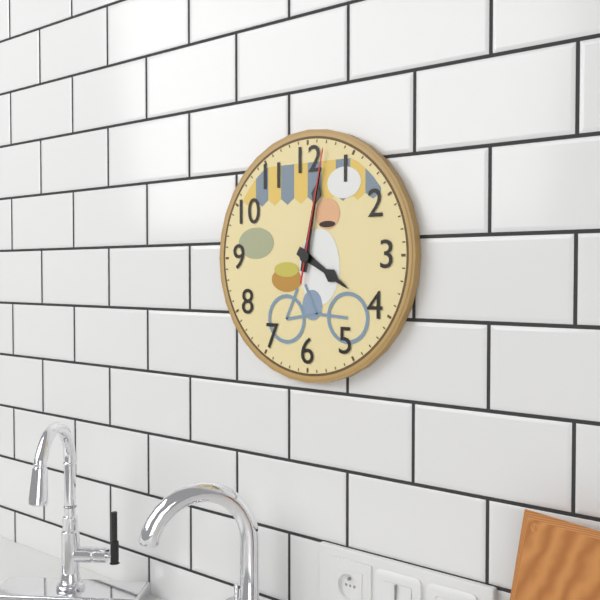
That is 4.02.02
